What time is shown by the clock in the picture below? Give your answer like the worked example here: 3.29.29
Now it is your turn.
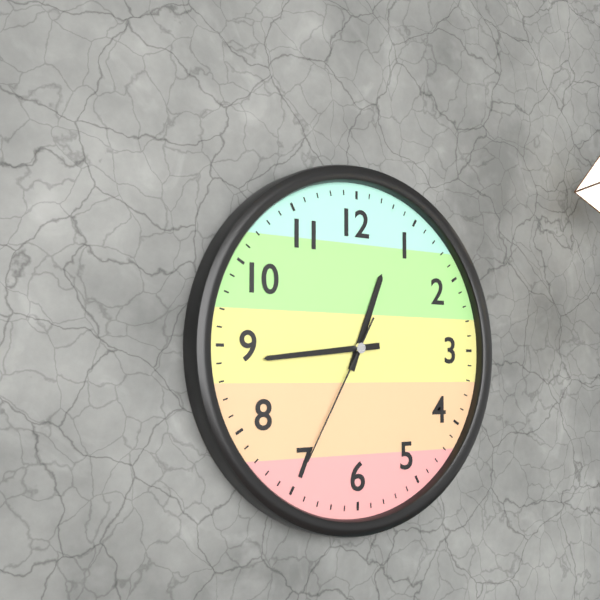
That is 12.44.35
